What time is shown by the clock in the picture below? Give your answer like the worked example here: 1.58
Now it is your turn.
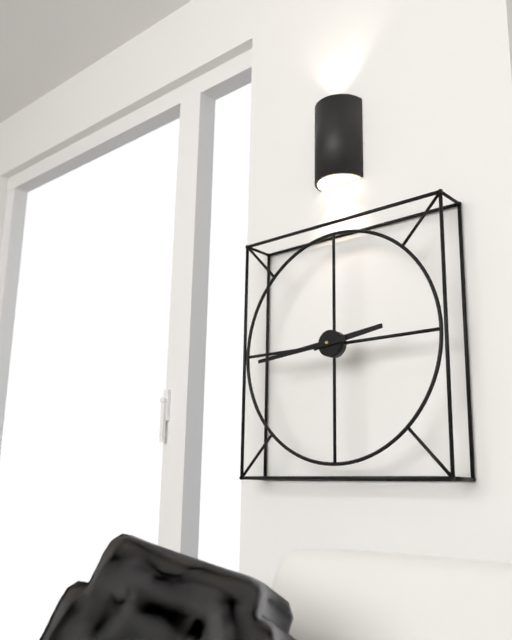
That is 2.44
